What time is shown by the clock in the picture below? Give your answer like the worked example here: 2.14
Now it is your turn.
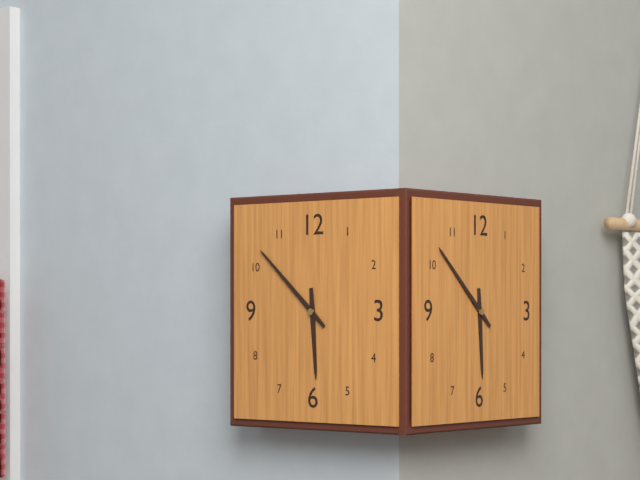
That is 5.52
